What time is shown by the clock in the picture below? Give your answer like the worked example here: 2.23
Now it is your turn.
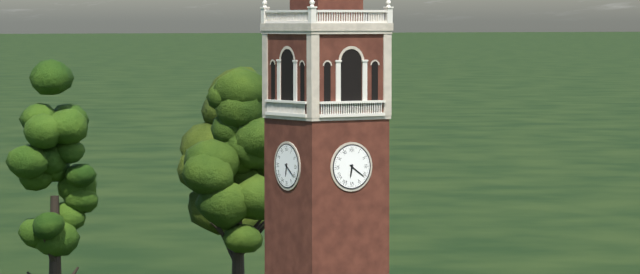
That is 6.21
